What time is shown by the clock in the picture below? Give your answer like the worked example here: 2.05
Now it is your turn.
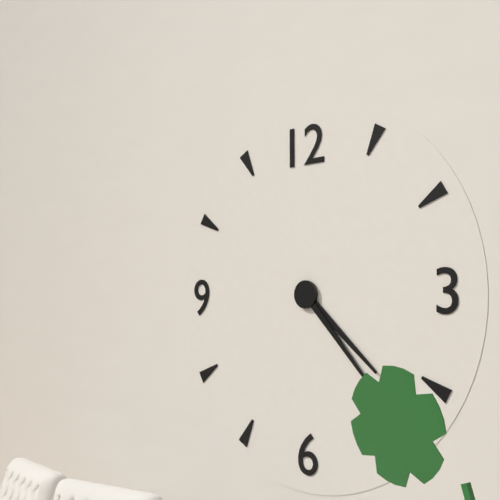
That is 4.23
